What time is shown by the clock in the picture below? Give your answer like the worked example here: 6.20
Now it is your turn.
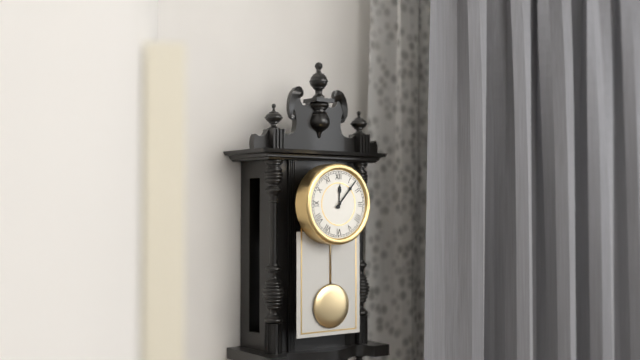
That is 12.07
